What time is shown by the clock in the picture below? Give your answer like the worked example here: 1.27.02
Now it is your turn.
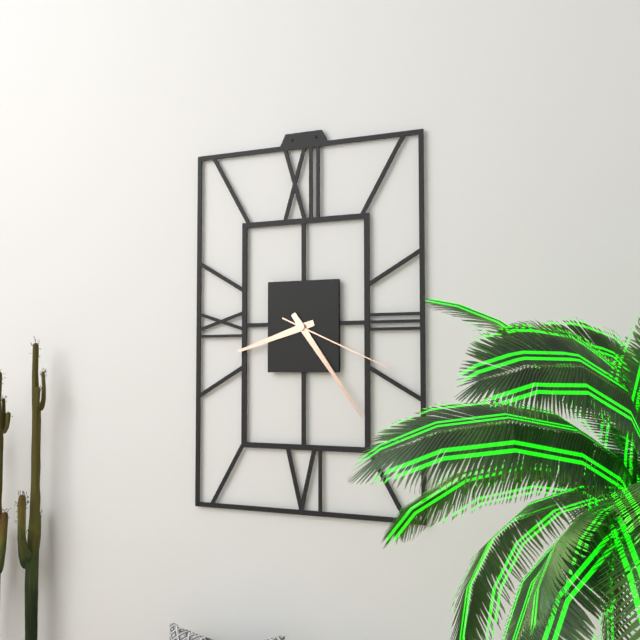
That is 8.24.19
